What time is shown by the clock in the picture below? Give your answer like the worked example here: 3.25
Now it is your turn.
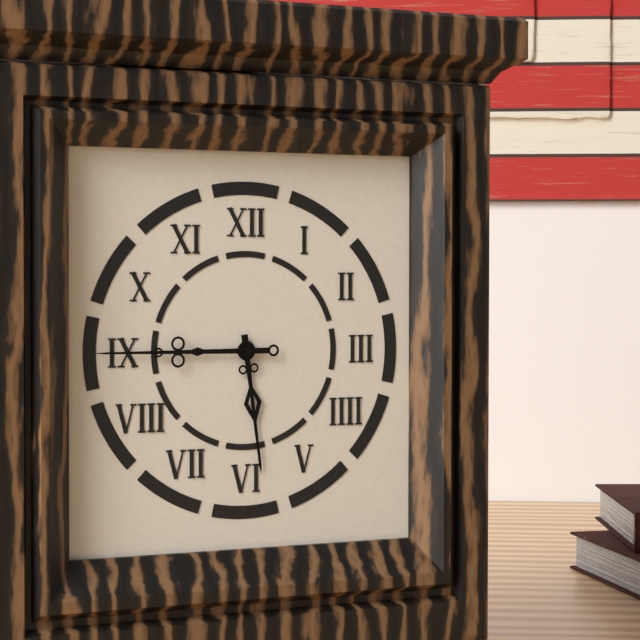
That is 5.45
